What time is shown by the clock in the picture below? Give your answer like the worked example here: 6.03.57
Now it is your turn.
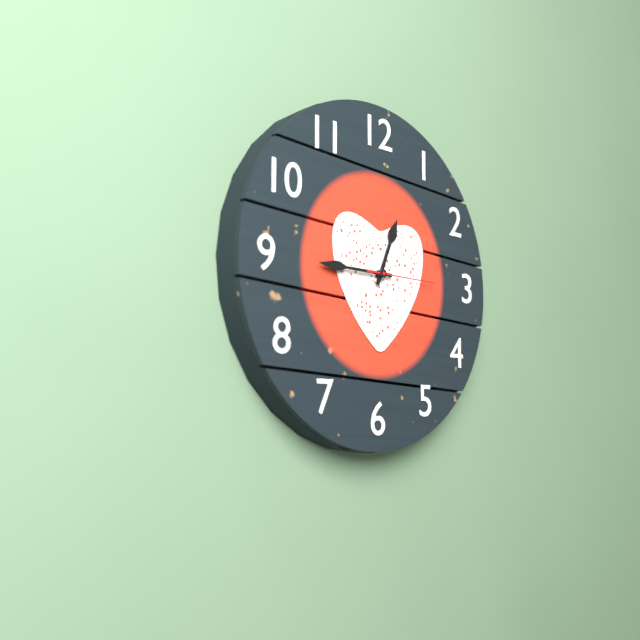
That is 12.45.15
